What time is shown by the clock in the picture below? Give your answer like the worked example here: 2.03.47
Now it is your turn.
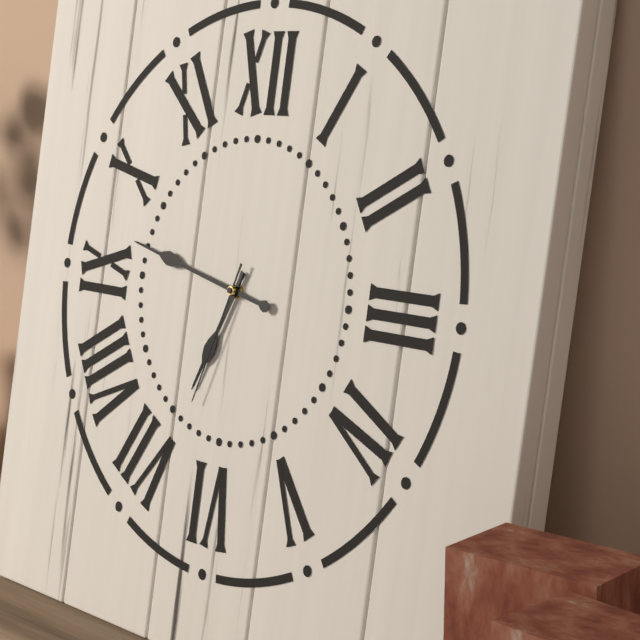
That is 6.47.33
